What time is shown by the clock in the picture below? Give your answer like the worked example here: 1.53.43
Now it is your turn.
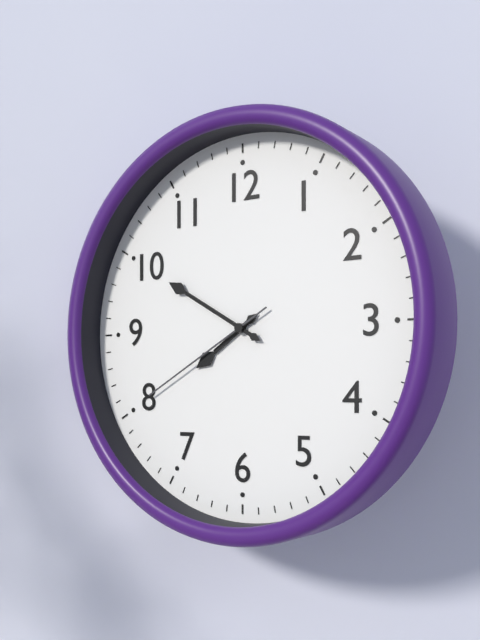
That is 7.50.40
